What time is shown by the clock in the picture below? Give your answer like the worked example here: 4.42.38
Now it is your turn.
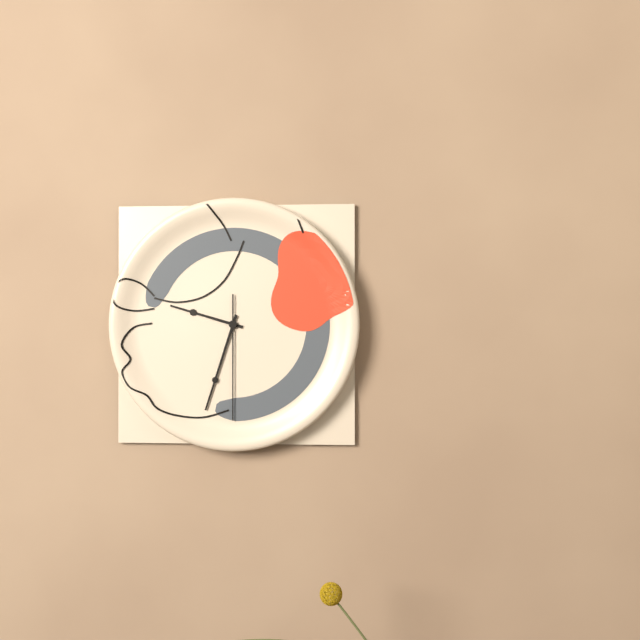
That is 9.33.30
